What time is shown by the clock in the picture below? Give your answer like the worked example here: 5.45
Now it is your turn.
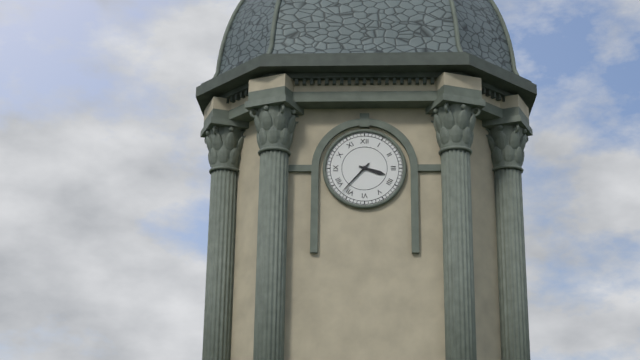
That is 3.37
